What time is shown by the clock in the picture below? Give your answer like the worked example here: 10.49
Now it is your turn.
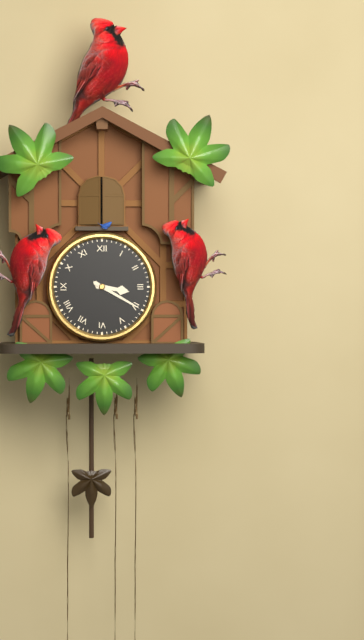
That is 3.20
